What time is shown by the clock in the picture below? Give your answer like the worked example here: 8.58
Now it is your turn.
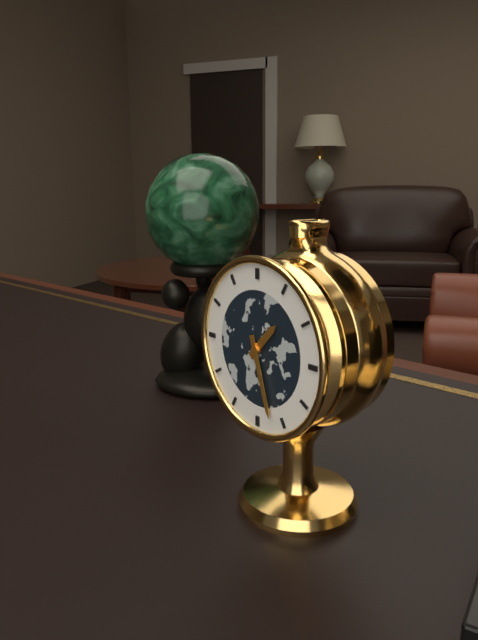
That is 1.27
